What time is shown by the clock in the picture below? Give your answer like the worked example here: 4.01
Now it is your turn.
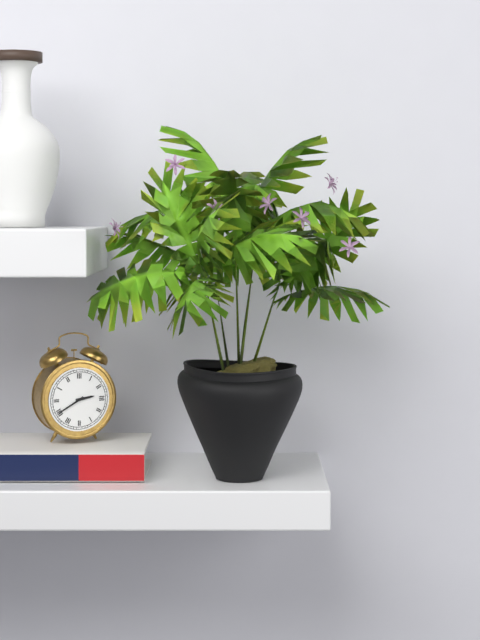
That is 2.40
